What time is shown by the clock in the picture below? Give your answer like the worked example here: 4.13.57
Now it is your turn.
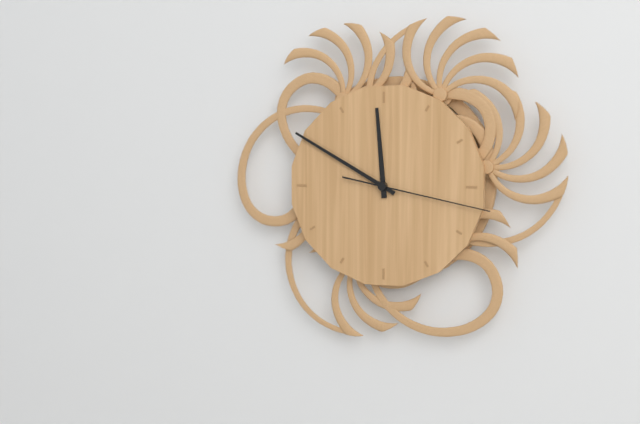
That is 11.50.17
